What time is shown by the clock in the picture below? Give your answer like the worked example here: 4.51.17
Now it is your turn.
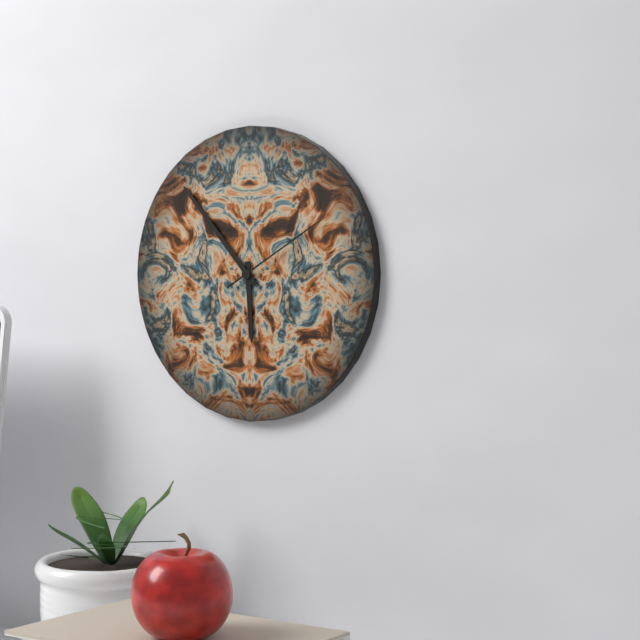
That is 5.53.10
